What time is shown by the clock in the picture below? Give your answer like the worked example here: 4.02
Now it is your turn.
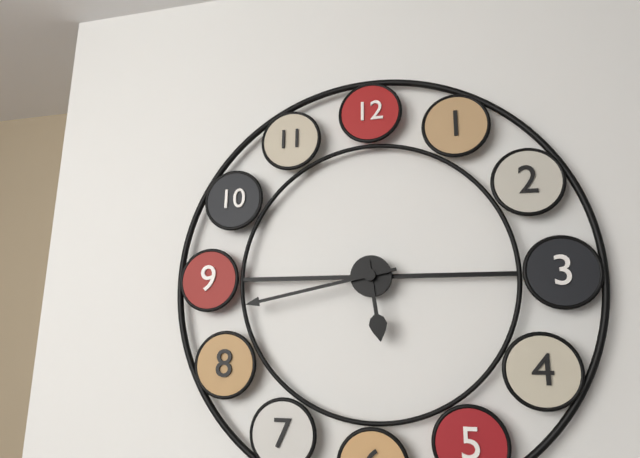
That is 5.43
